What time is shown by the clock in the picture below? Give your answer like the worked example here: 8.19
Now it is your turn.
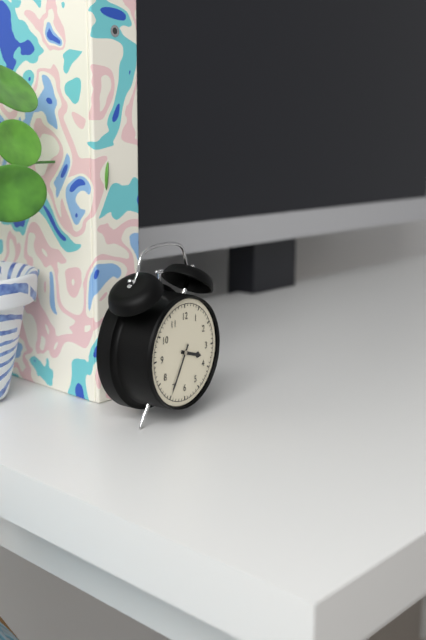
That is 3.35
